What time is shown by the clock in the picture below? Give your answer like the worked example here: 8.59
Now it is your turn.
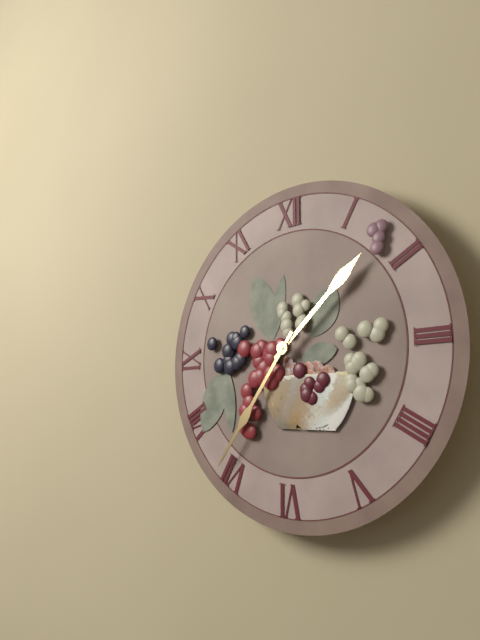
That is 1.36
